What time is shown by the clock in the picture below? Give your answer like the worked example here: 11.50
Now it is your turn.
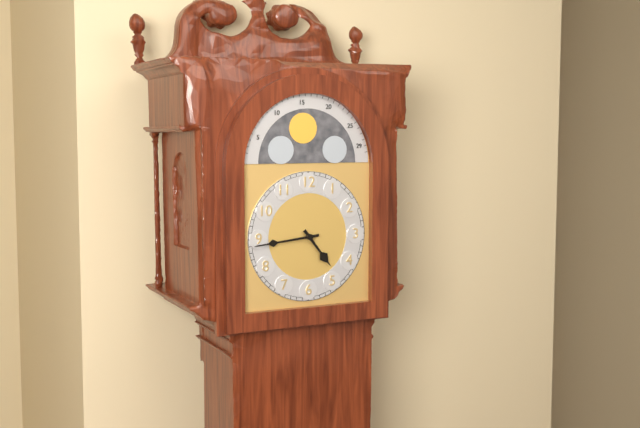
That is 4.44
